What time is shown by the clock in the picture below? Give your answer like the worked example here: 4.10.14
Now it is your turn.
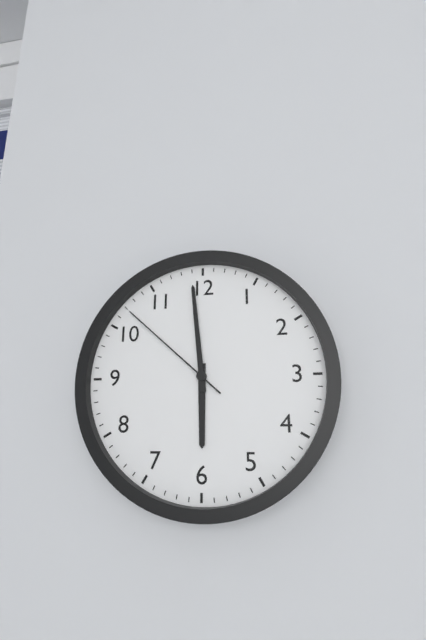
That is 5.59.52
